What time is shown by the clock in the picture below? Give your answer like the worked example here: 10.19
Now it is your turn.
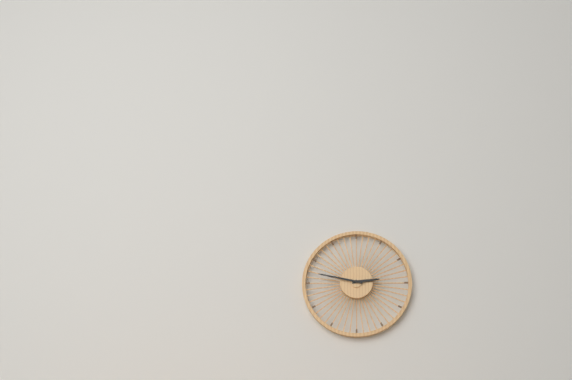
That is 2.47
